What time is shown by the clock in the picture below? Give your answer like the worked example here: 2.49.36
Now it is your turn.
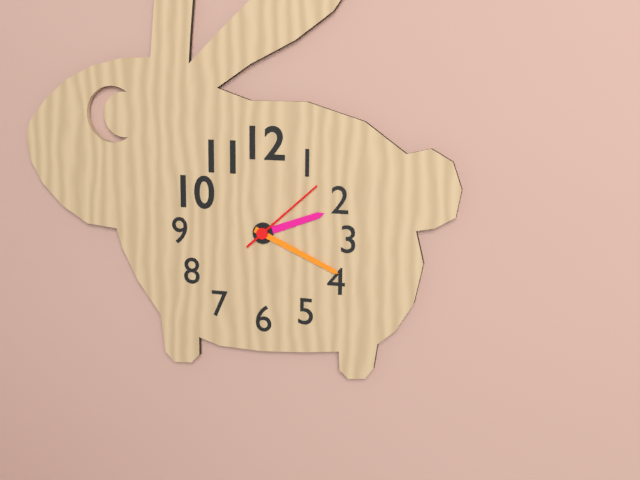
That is 2.19.08
